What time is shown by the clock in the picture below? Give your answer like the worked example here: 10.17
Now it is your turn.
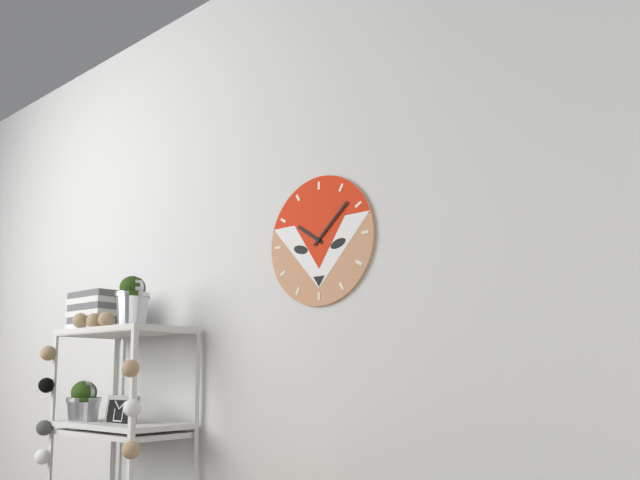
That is 10.08
